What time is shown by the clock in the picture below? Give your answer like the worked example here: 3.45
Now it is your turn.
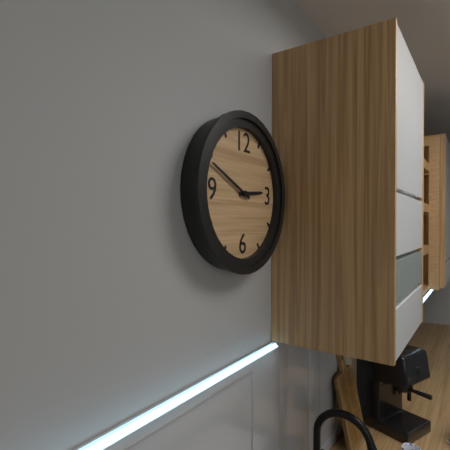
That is 2.49
